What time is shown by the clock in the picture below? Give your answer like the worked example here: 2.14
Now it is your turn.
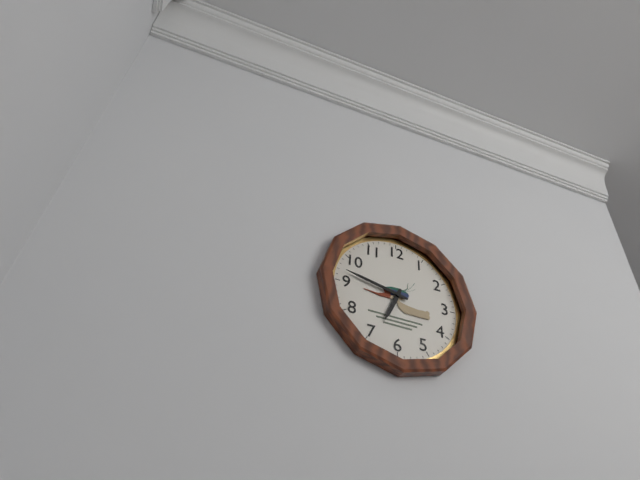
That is 6.47
